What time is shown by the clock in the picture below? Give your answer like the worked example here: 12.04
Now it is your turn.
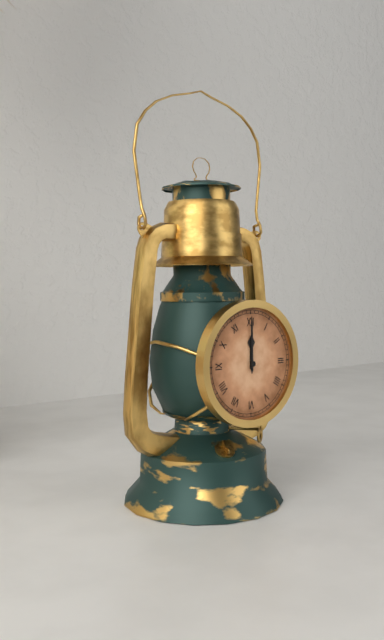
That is 12.00
